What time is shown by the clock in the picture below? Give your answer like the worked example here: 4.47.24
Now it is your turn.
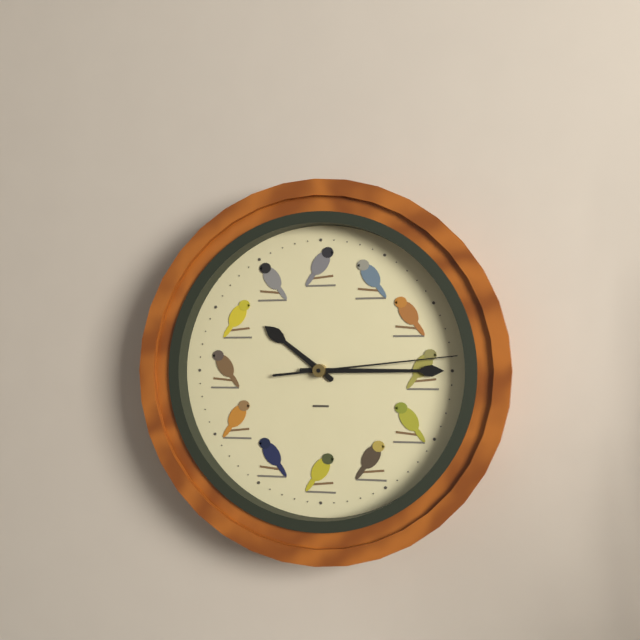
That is 10.15.14
